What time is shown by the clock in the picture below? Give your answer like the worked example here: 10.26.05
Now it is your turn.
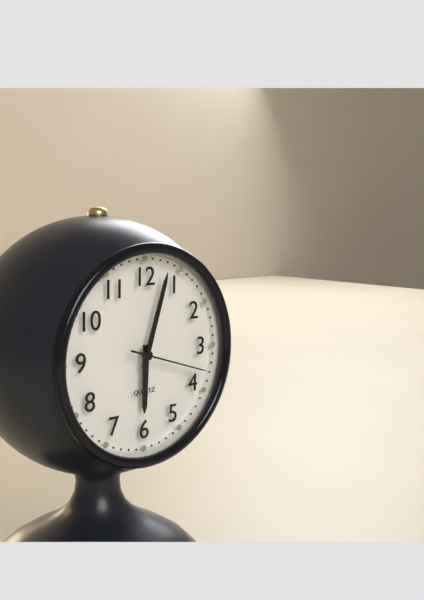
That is 6.03.18
